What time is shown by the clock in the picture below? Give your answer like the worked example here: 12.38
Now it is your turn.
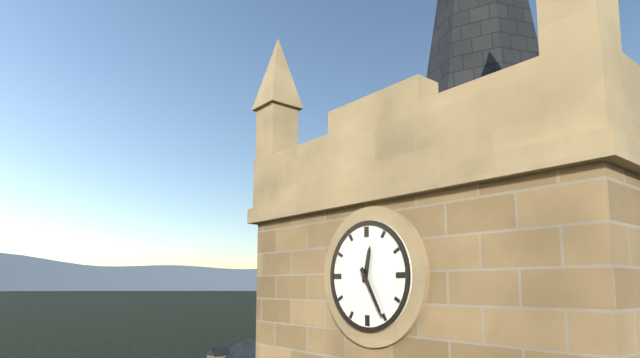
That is 12.25
